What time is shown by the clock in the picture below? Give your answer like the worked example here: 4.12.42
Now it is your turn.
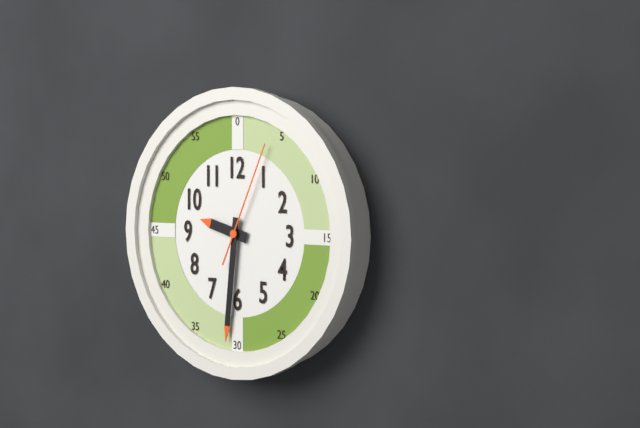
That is 9.31.04
